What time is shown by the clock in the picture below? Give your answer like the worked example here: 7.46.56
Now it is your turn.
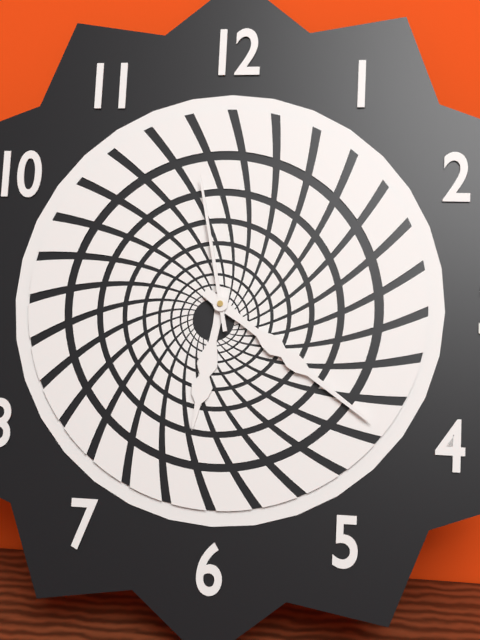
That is 6.21.58
